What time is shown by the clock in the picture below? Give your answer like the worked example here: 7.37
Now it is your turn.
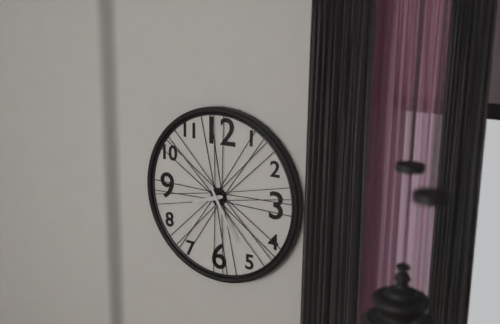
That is 8.25
